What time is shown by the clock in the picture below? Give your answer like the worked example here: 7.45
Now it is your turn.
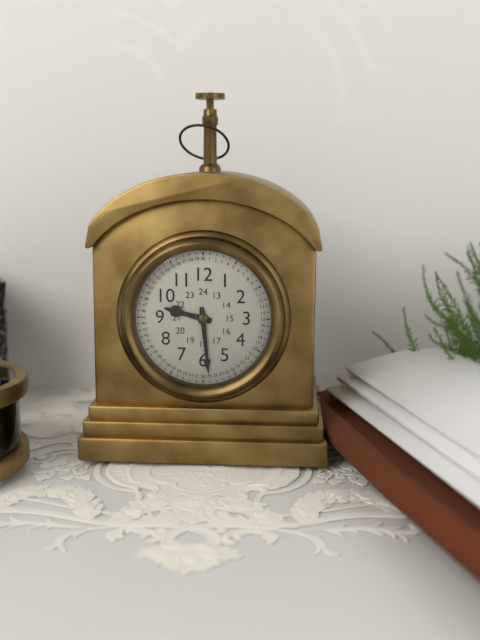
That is 9.29
